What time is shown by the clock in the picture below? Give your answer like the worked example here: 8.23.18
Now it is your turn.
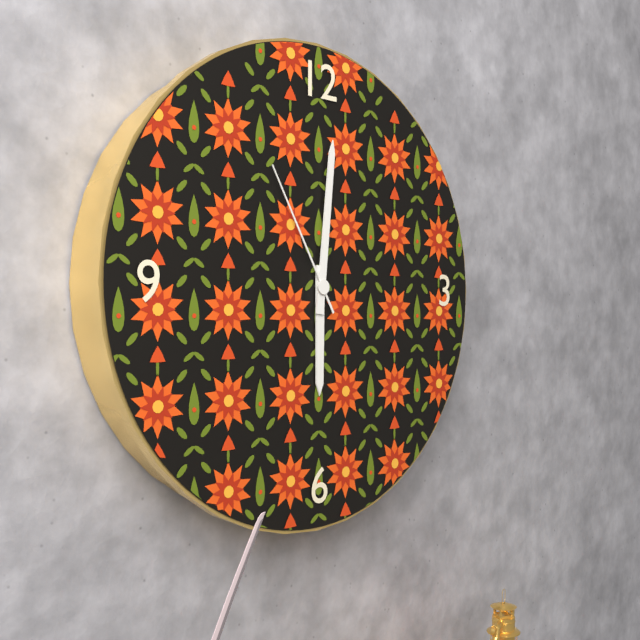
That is 6.01.55
